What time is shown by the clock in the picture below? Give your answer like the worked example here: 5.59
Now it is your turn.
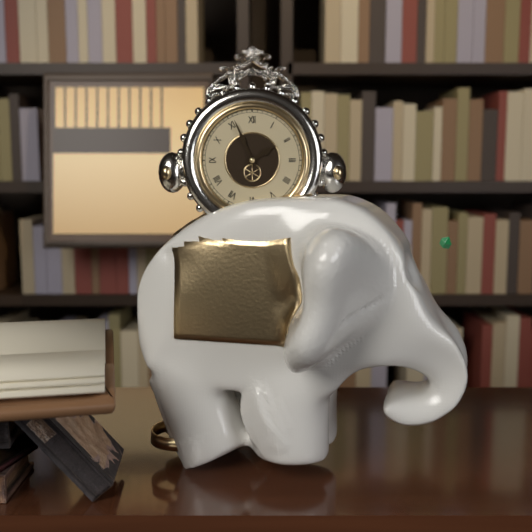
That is 1.56
